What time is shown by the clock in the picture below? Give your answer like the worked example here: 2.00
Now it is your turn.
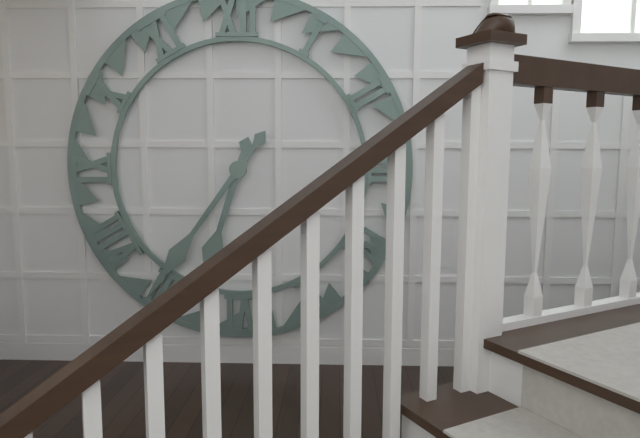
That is 6.36
